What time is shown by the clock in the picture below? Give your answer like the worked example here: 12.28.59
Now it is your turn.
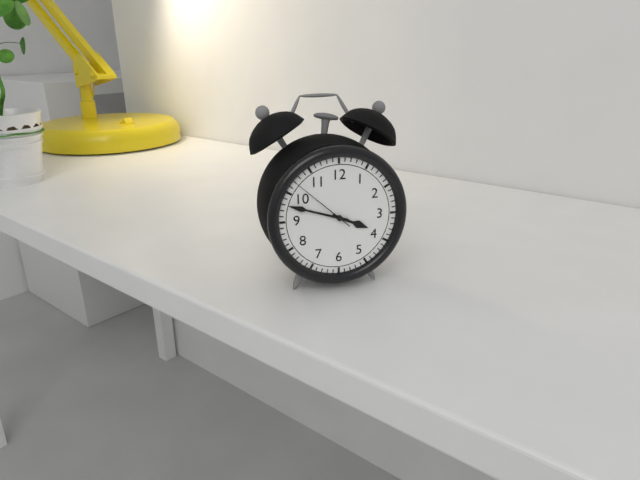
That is 3.48.52
